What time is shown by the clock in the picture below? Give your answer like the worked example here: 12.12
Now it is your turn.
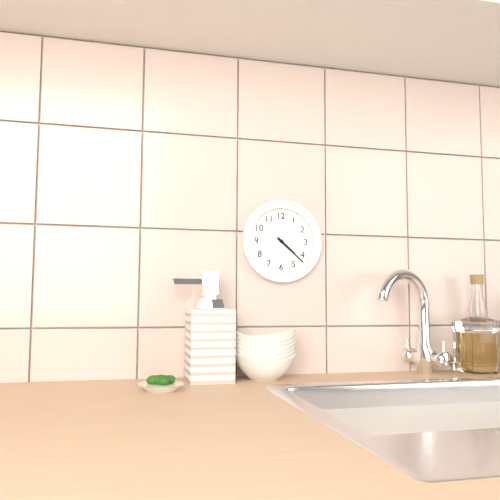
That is 4.22
